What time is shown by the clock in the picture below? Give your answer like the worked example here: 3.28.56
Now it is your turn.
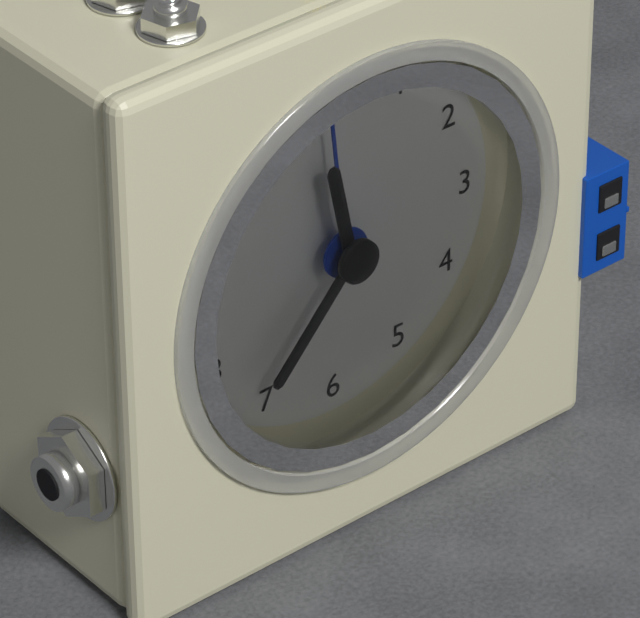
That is 11.37.59
